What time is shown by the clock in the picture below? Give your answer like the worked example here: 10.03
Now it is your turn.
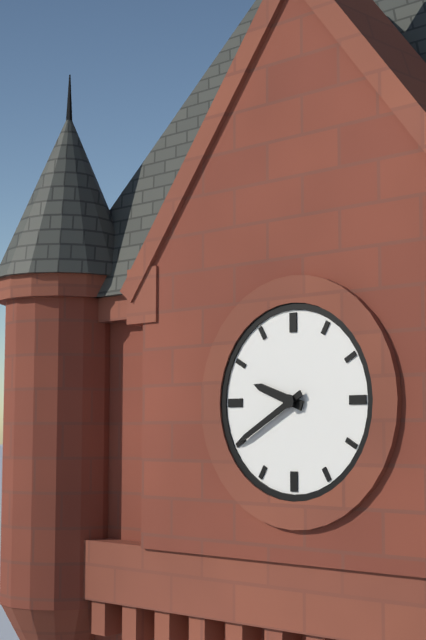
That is 9.40
